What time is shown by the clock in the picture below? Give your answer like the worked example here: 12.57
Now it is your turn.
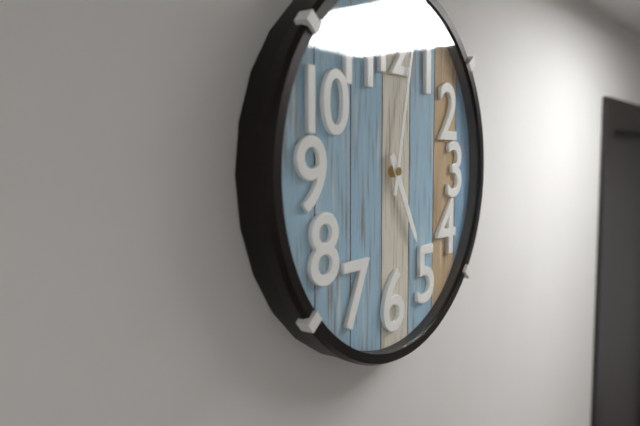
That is 5.02
